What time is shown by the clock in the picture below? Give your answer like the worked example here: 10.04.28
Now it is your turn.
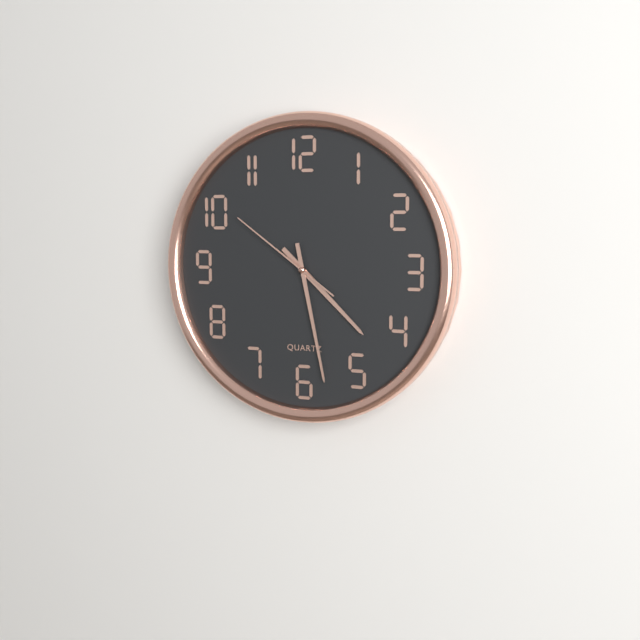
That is 4.28.51
